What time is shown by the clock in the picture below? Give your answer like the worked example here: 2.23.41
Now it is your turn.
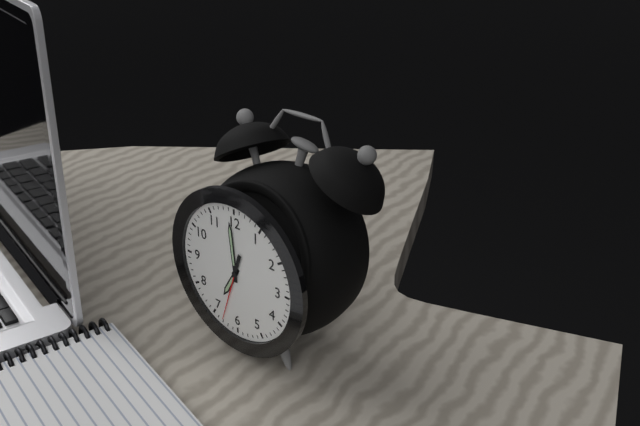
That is 6.59.33
